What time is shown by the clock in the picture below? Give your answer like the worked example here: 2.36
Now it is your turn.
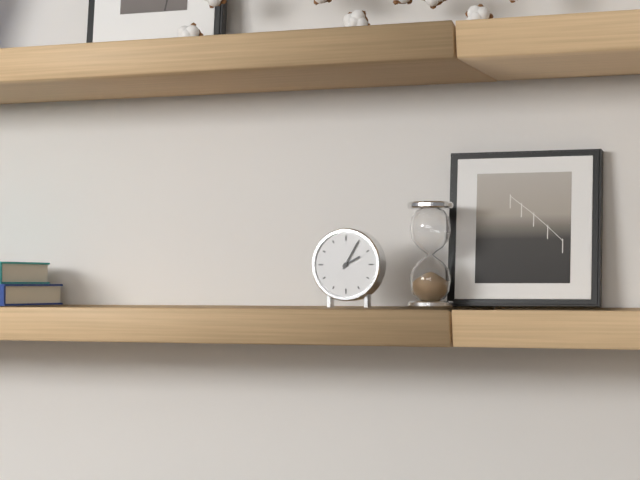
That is 2.05
